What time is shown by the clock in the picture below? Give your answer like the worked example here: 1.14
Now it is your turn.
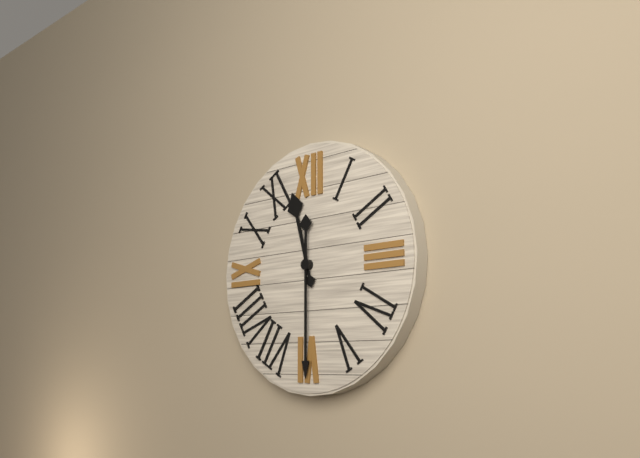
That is 11.30
